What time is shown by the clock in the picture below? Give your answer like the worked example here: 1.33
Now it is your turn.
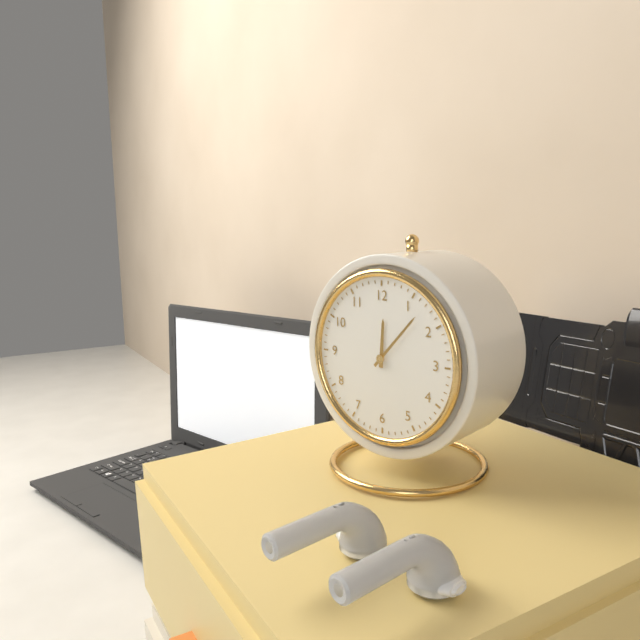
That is 12.07
